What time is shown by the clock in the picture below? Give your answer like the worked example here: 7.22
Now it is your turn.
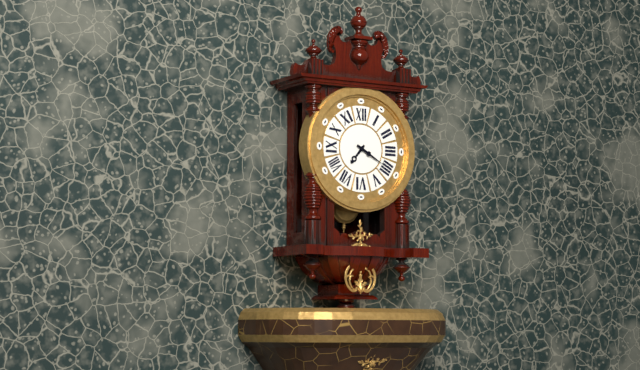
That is 7.20
